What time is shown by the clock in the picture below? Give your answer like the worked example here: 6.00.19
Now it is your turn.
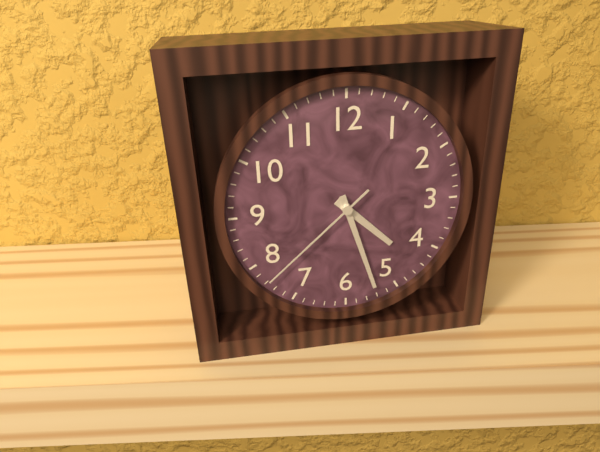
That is 4.27.38
